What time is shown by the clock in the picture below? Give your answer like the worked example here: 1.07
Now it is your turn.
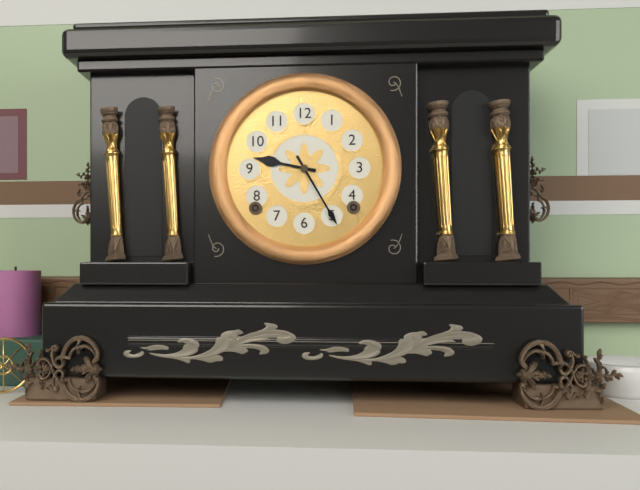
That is 9.25
